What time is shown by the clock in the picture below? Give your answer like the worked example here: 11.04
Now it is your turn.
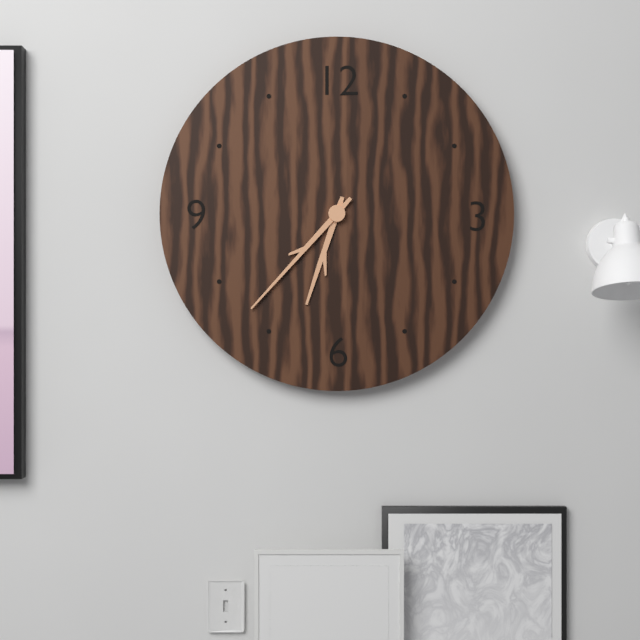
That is 6.37
